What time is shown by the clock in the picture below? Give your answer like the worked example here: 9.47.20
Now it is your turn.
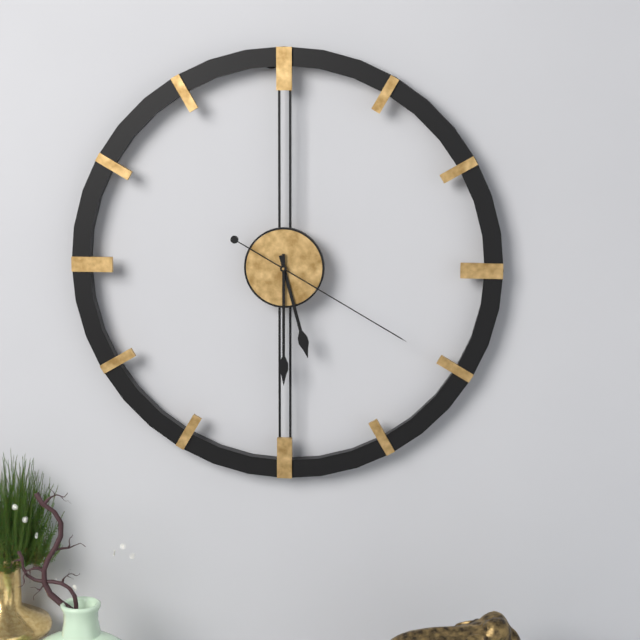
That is 5.30.20
